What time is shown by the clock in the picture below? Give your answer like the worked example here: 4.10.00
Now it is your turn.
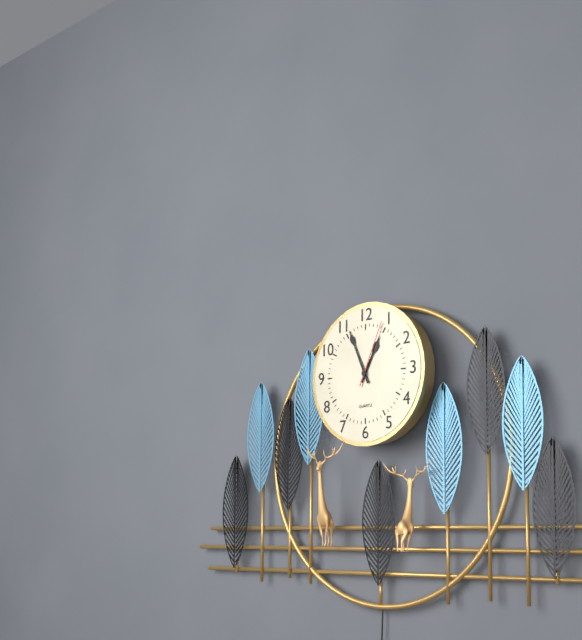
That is 12.56.04
